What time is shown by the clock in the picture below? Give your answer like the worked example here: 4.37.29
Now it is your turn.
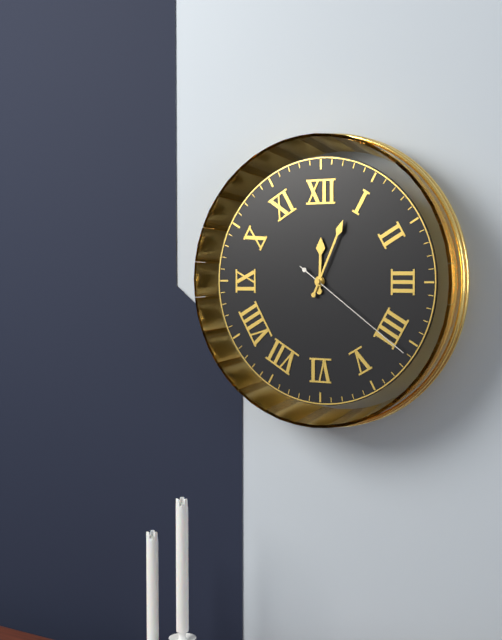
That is 12.04.21
